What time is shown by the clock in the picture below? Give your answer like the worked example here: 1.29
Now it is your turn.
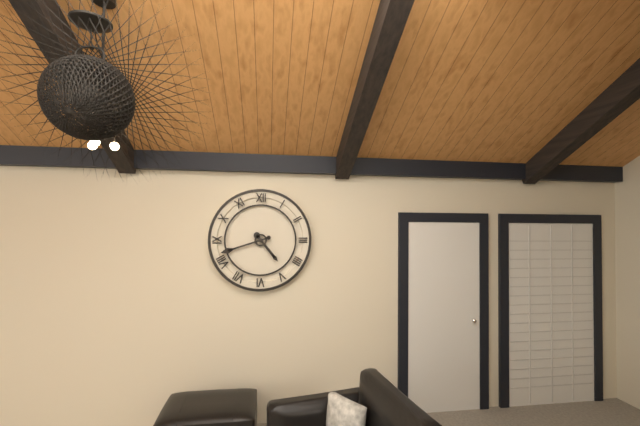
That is 4.42
